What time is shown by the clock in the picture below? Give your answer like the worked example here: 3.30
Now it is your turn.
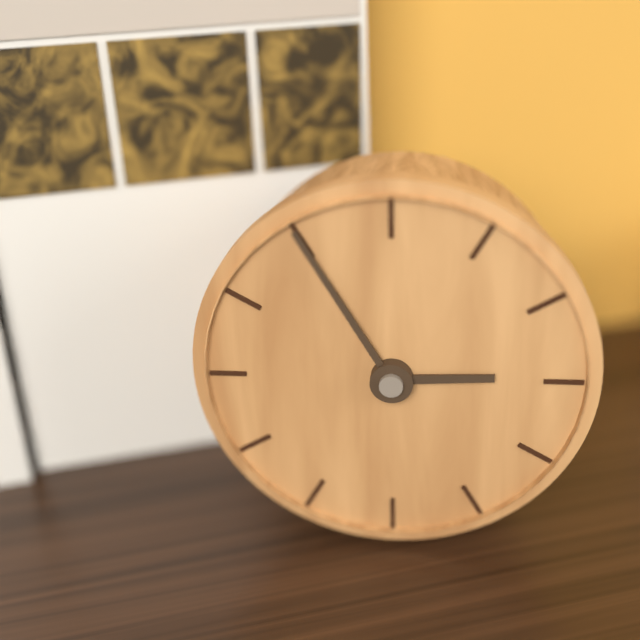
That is 2.55
